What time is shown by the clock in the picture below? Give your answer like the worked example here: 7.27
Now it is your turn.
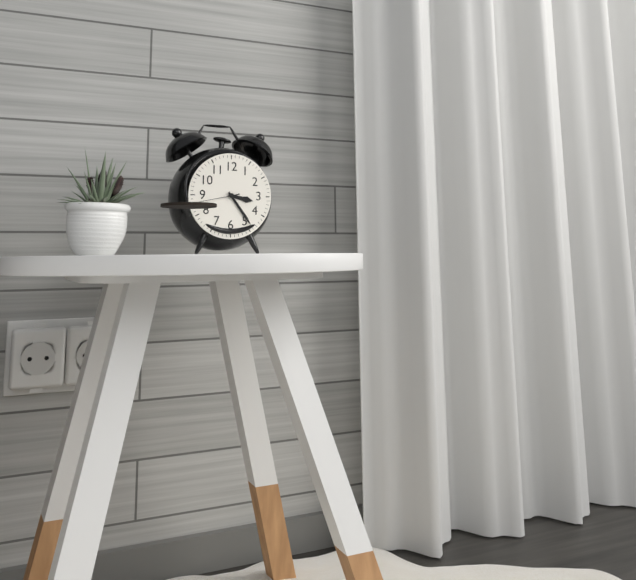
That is 3.24
